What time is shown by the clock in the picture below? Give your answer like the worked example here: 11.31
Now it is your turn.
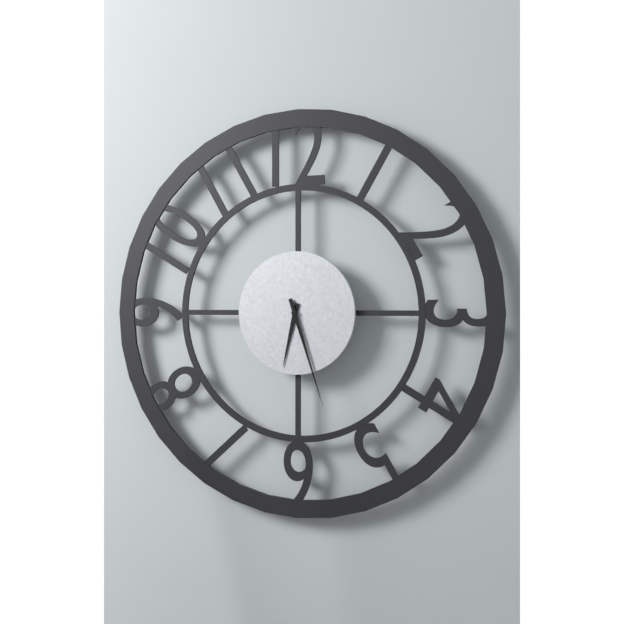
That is 6.27
